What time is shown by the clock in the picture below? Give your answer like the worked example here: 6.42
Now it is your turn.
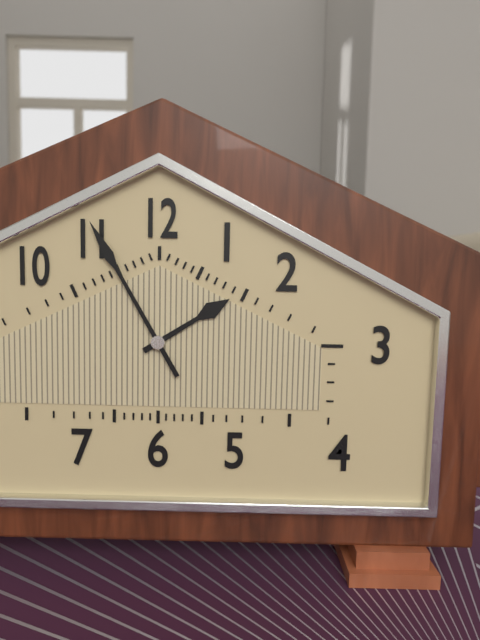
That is 1.55
